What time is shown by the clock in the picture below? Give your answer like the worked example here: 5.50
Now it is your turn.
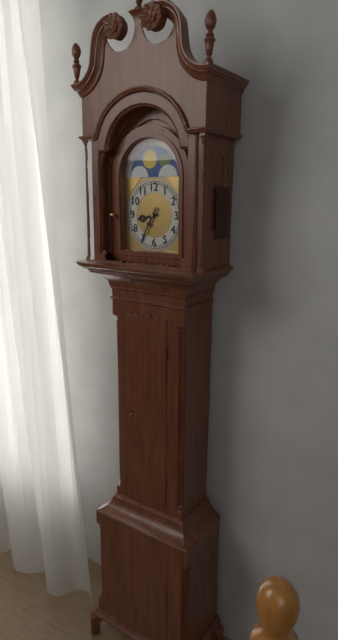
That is 8.35
